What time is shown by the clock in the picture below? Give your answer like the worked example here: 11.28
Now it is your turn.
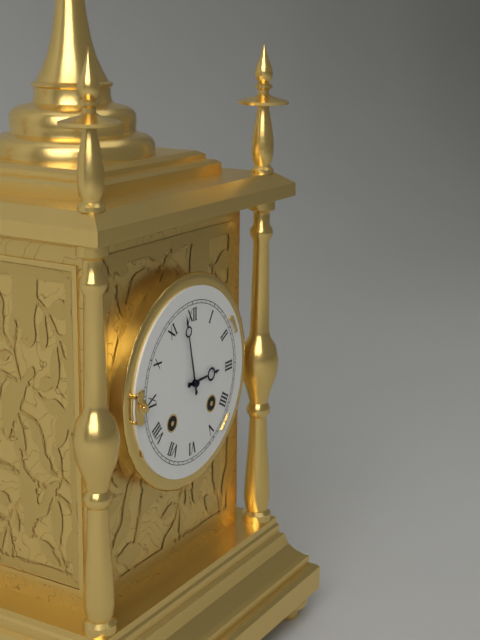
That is 2.58
